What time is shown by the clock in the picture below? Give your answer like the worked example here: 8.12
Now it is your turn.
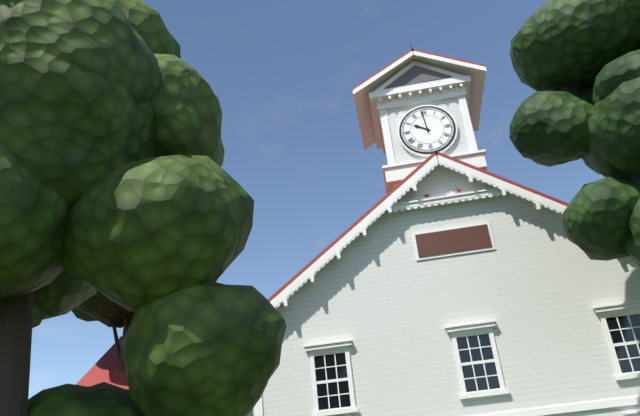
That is 9.59
